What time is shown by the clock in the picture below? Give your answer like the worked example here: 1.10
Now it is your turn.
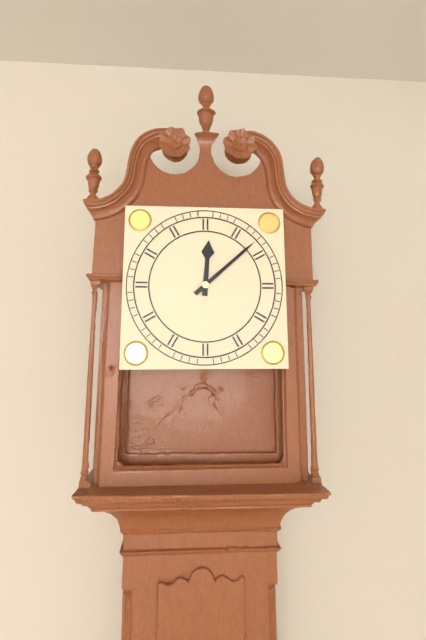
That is 12.08
